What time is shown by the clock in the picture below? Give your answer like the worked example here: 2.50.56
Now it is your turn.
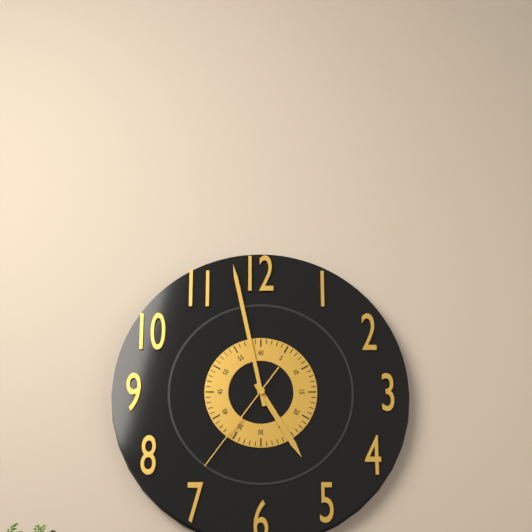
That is 4.58.36
